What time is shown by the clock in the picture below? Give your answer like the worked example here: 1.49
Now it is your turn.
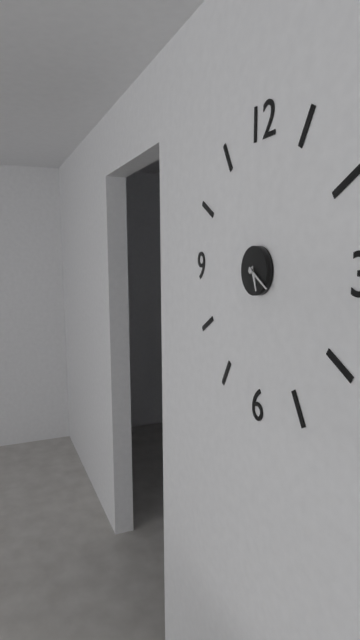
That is 5.20
